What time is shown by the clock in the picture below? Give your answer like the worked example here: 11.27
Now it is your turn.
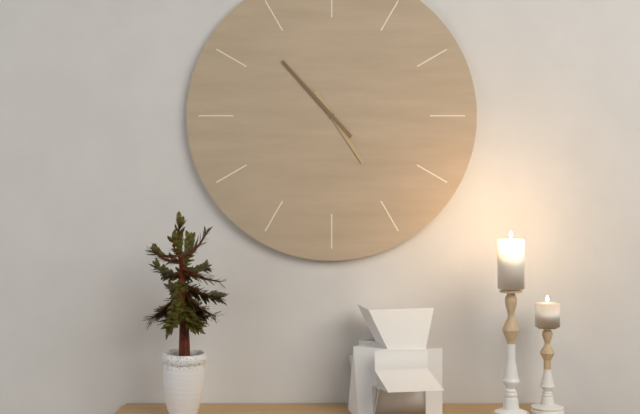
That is 4.53
